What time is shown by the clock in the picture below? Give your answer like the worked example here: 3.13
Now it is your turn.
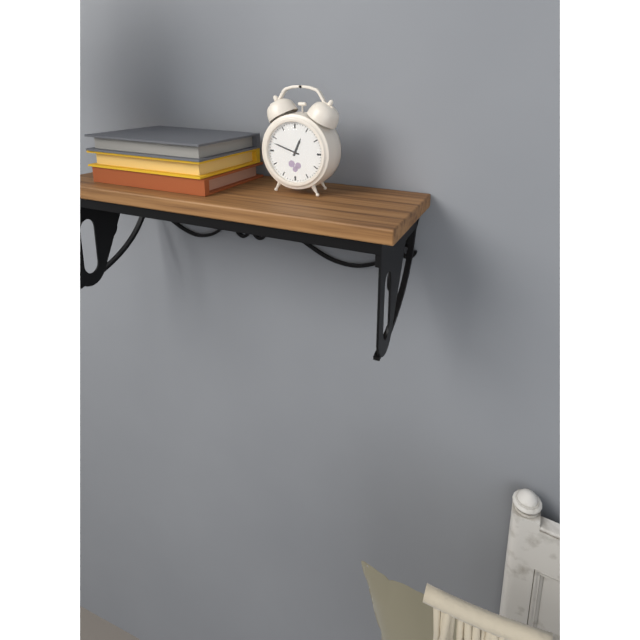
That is 12.48
